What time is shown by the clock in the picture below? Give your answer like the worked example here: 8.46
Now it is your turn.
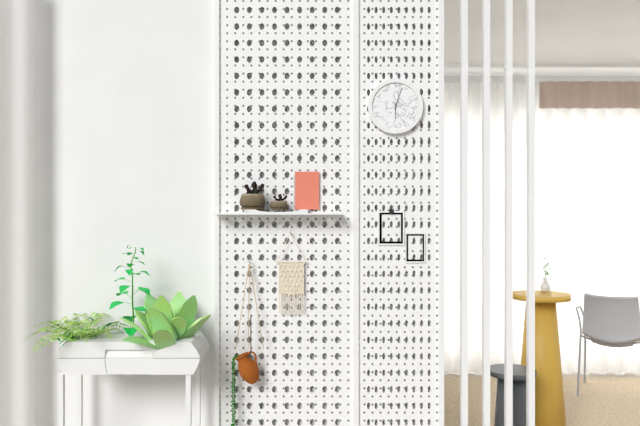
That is 6.03
